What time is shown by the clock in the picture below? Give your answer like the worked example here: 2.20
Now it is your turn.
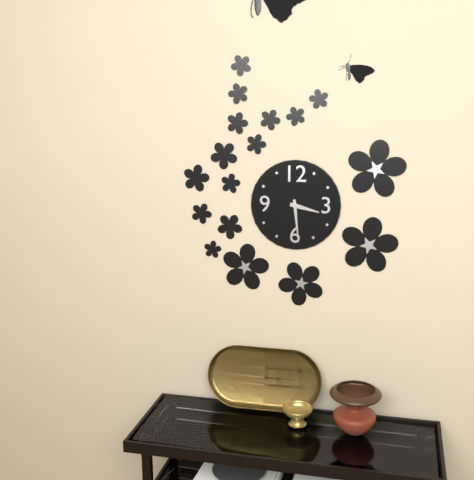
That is 3.29
